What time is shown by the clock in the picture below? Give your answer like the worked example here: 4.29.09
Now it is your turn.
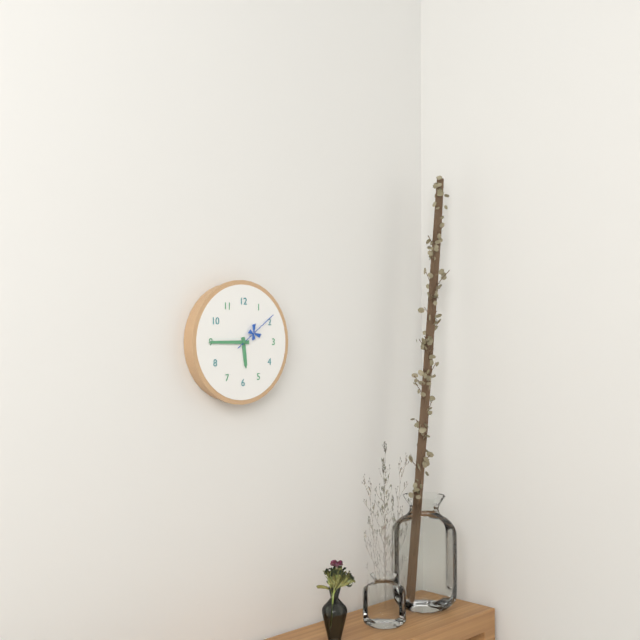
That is 5.45.09
